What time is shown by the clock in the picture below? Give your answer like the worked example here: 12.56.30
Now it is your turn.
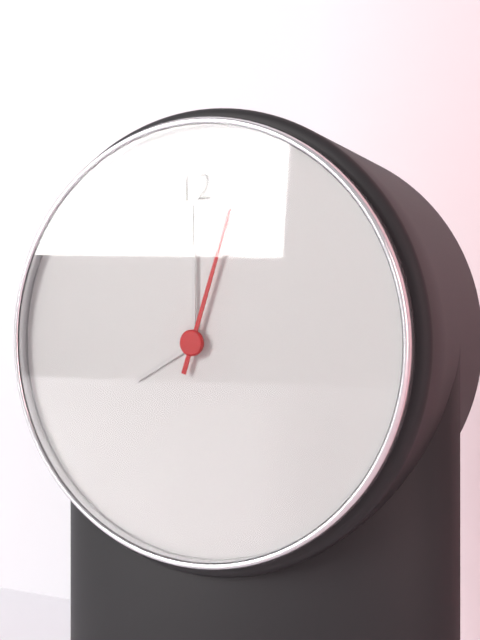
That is 8.00.03
